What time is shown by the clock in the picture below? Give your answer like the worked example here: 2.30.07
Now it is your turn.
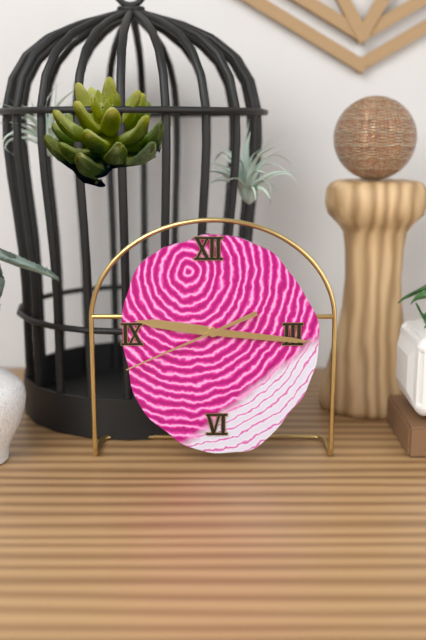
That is 9.16.41
